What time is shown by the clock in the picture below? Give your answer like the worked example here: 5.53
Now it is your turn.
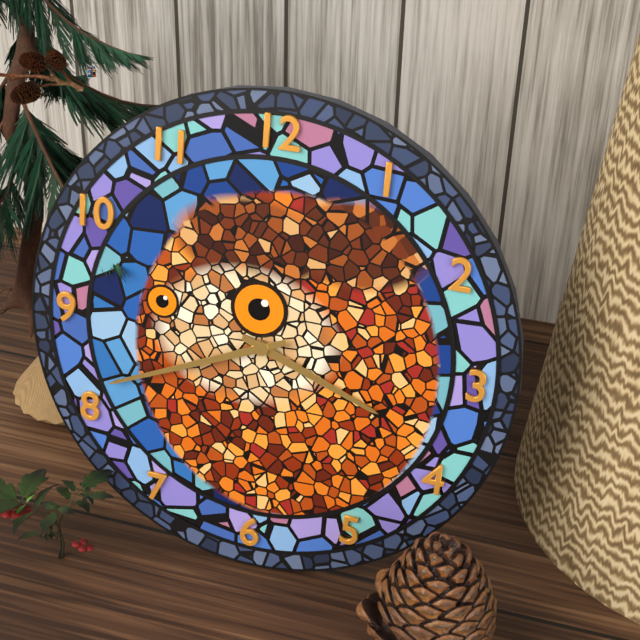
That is 3.41
